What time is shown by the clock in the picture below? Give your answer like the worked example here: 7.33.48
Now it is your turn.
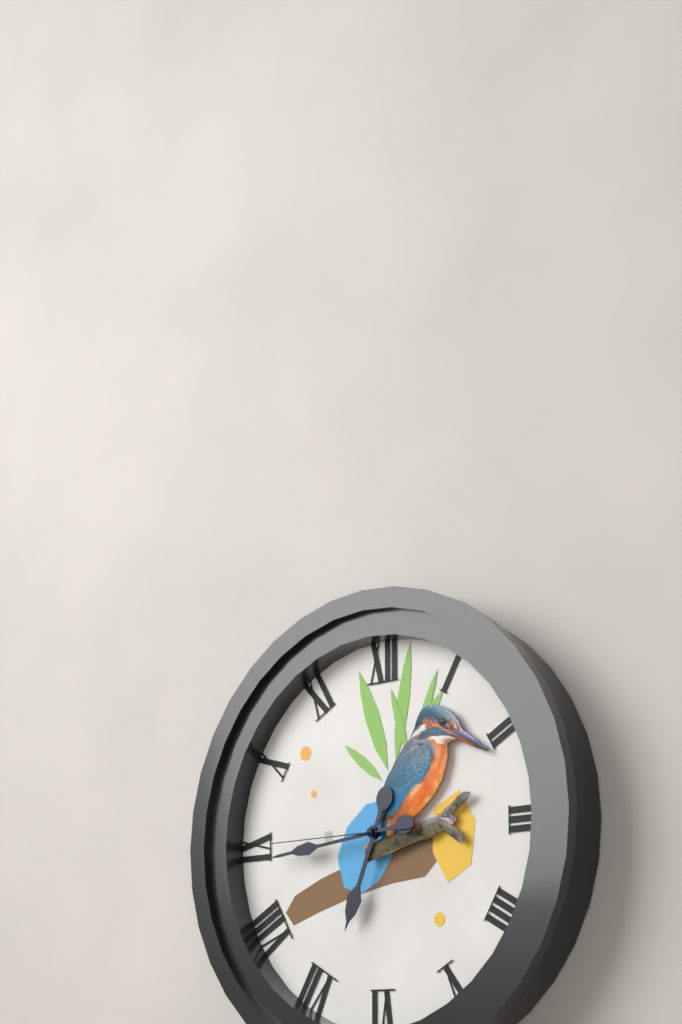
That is 6.44.45
